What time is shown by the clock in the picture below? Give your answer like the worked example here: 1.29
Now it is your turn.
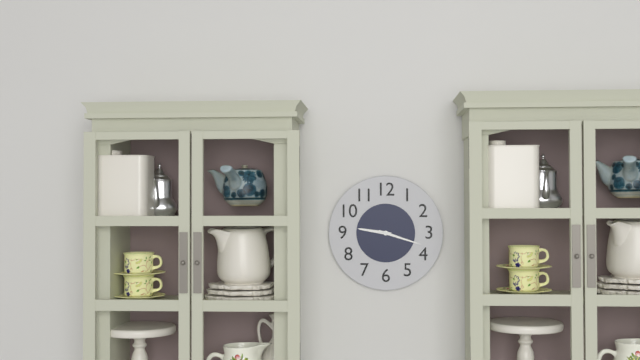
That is 9.18
